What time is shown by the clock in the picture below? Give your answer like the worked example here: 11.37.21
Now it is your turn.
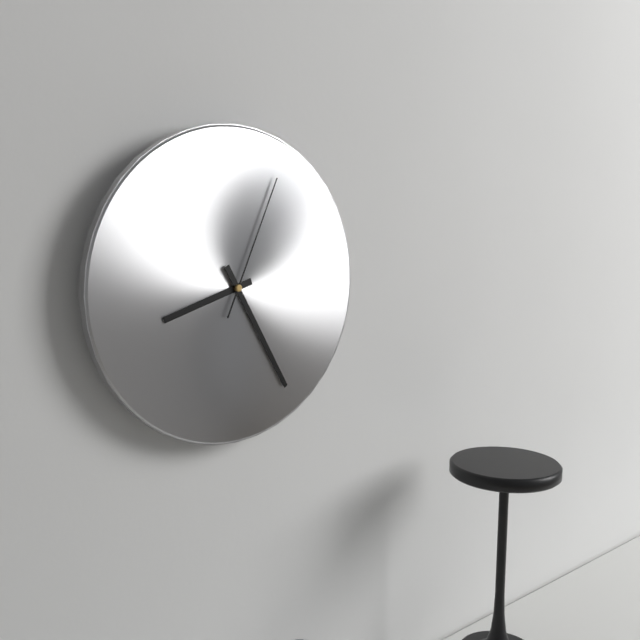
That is 8.25.04
